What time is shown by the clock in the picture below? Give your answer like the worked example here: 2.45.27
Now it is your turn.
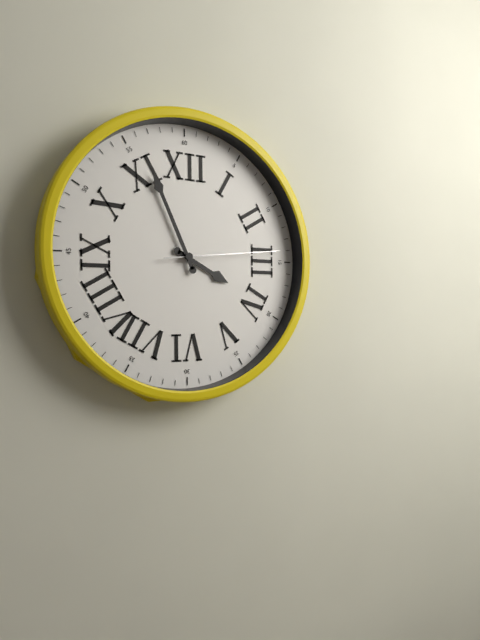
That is 3.56.14
